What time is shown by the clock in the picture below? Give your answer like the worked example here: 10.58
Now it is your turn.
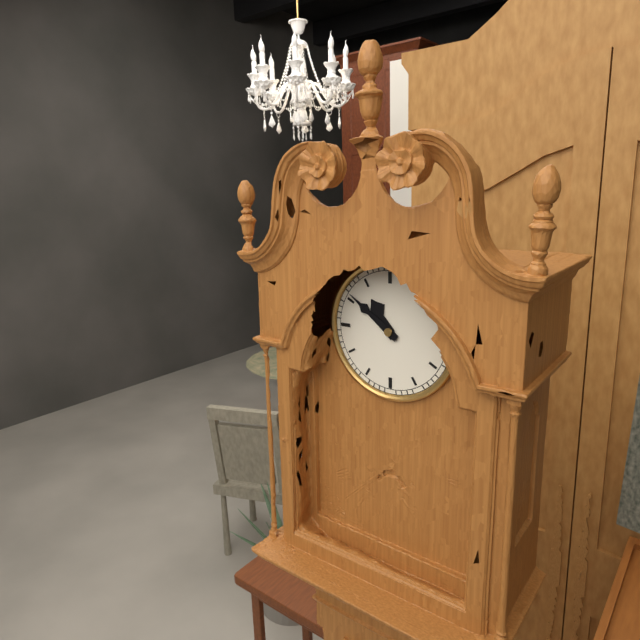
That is 10.51
